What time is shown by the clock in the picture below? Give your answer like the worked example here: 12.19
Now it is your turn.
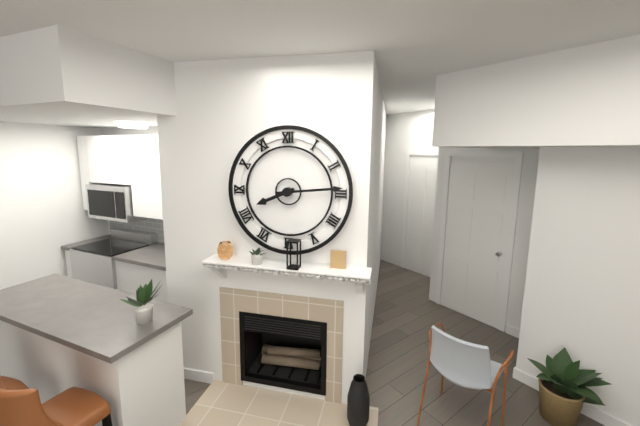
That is 8.14
